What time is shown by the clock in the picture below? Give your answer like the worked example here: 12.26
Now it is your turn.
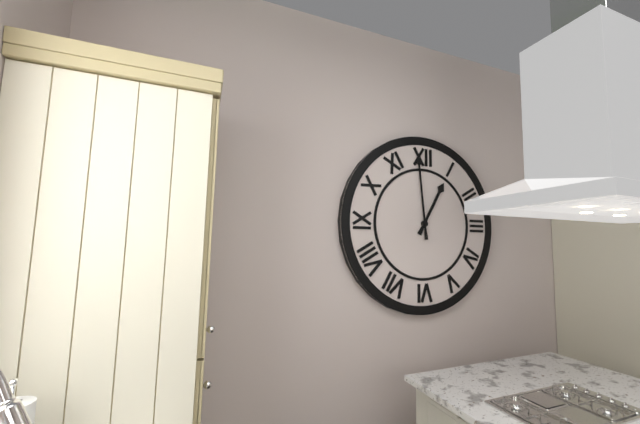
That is 12.59
